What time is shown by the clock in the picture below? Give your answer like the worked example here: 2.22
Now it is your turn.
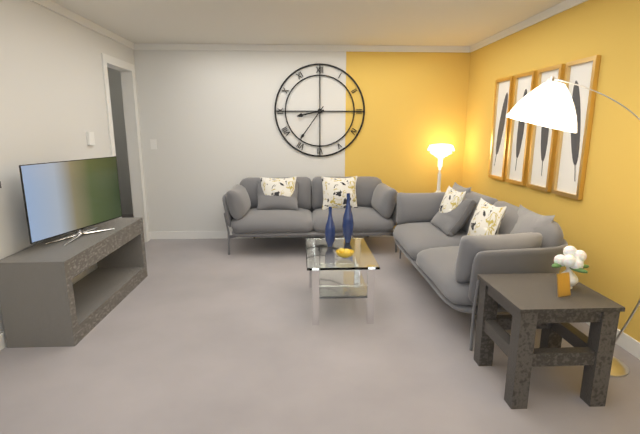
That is 8.36
